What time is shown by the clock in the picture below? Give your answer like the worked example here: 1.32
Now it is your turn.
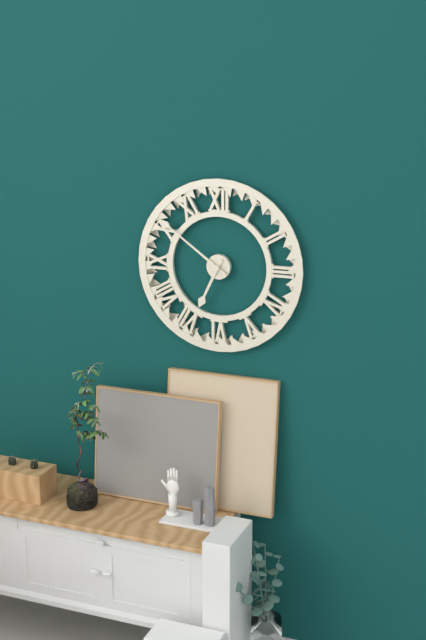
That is 6.51
